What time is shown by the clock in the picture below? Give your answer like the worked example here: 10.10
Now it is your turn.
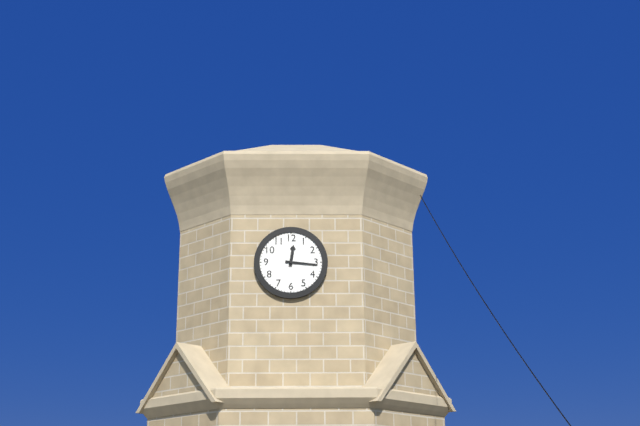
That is 12.16
